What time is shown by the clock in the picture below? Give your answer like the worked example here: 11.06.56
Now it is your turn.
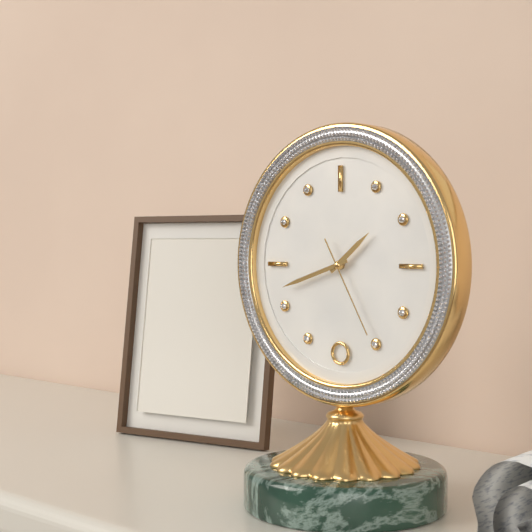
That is 1.42.25
